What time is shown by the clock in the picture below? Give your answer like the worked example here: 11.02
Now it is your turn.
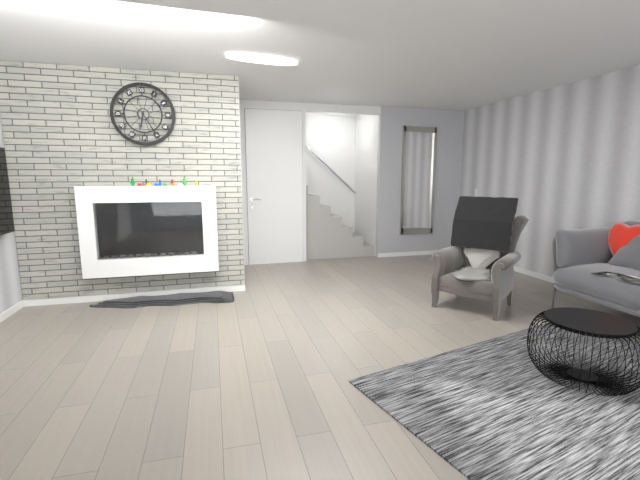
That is 6.25
